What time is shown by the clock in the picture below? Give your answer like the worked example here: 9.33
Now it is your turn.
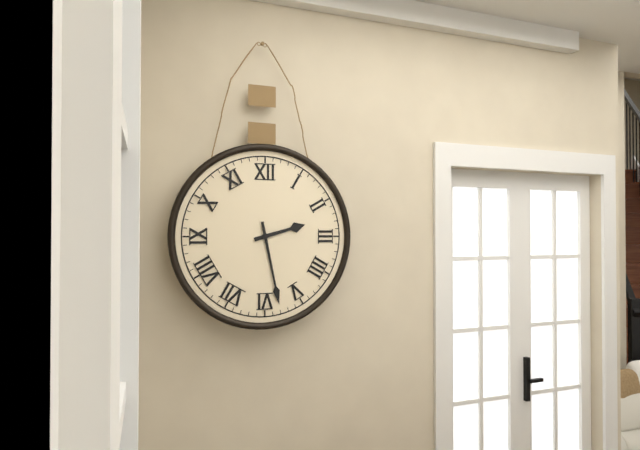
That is 2.28
